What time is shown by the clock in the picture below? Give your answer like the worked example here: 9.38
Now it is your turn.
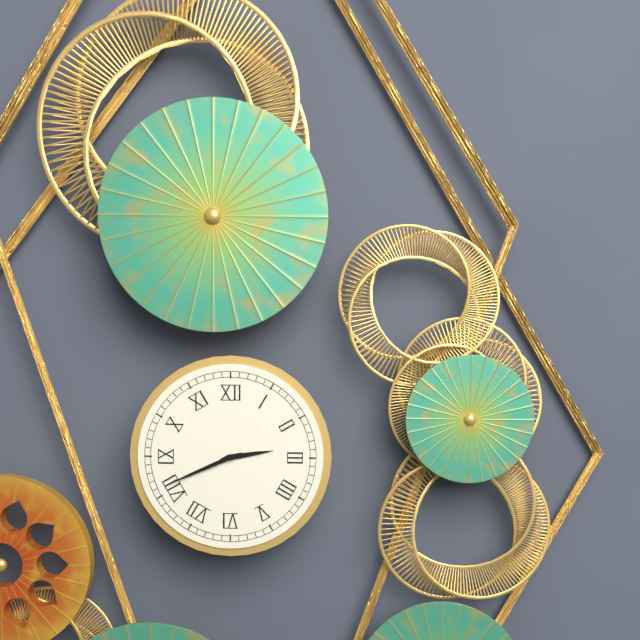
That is 2.41
